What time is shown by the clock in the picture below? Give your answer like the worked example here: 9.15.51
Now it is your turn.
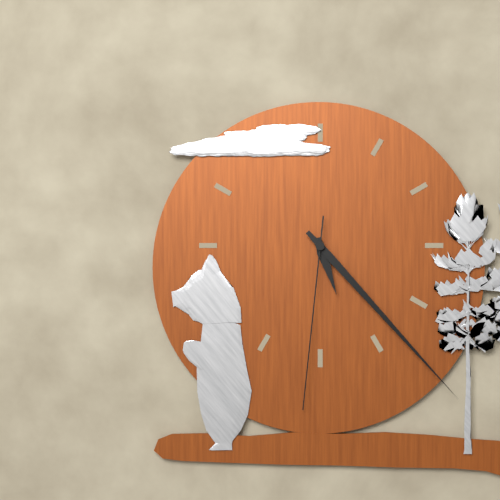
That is 5.23.31
